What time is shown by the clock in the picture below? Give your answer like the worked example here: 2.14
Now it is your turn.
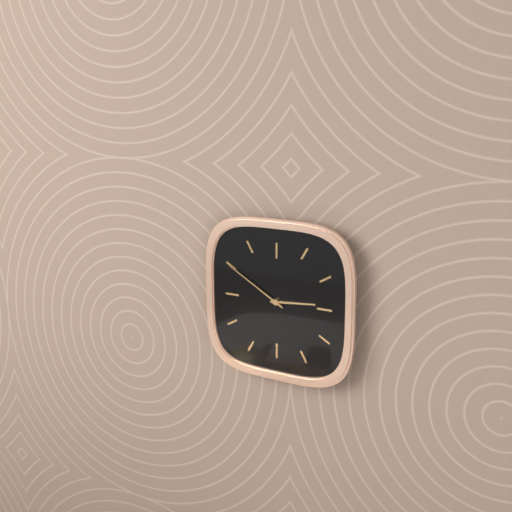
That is 2.50
